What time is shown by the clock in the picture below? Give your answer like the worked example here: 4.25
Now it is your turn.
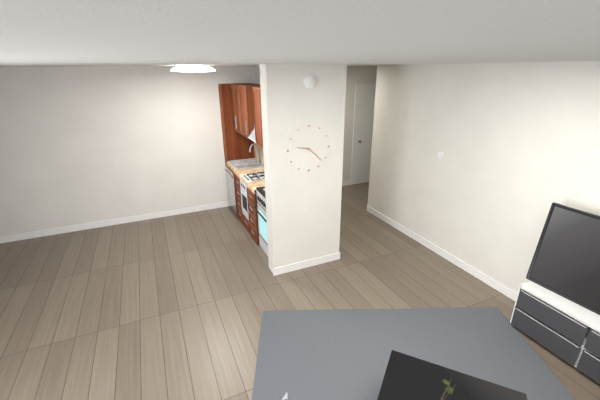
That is 9.22
